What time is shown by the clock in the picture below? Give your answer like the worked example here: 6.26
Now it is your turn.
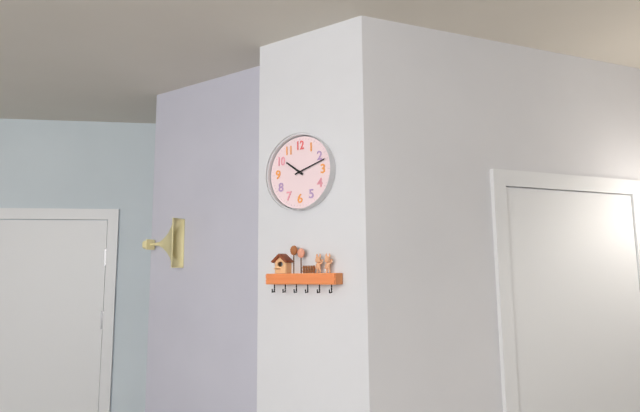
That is 10.12
